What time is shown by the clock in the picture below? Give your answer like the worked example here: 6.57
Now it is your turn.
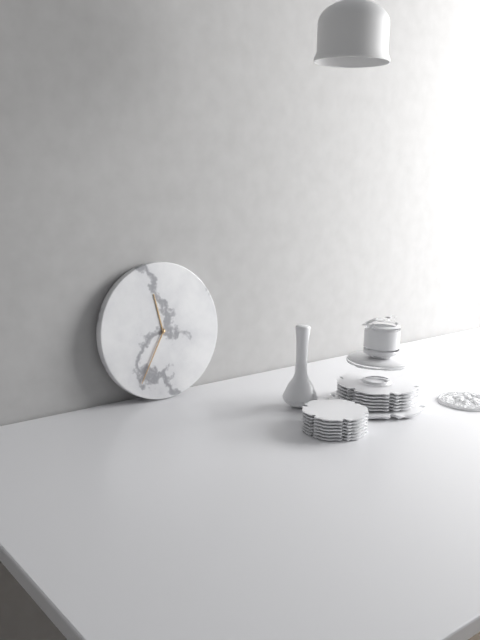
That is 11.35
